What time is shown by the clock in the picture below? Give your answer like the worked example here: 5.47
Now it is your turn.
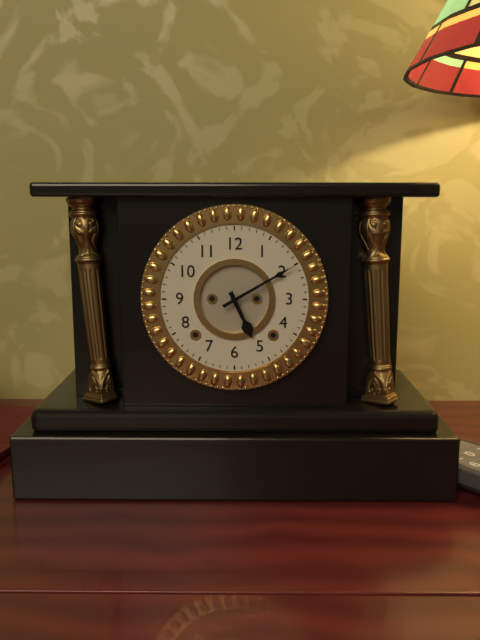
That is 5.10
